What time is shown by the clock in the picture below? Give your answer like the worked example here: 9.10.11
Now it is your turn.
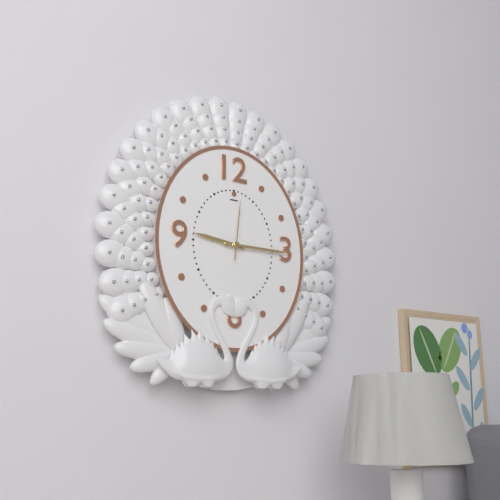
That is 9.15.01
